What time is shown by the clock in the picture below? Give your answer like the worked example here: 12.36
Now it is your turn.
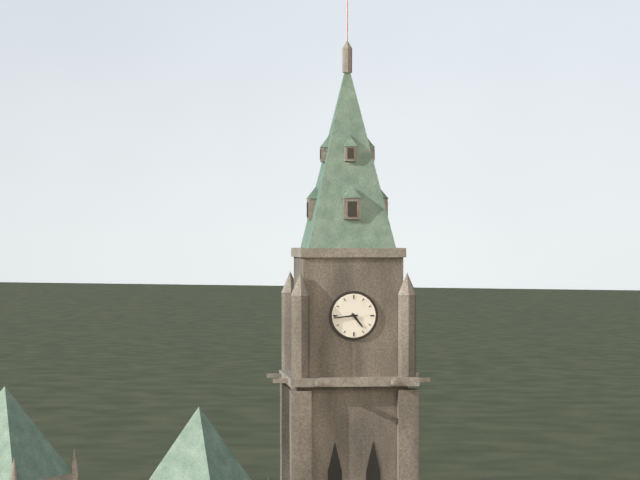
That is 4.44
